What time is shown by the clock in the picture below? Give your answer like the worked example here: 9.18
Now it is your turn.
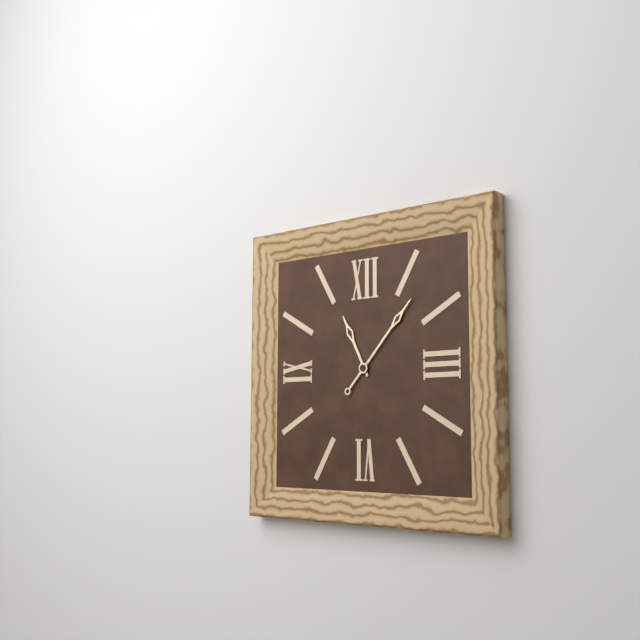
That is 11.07
